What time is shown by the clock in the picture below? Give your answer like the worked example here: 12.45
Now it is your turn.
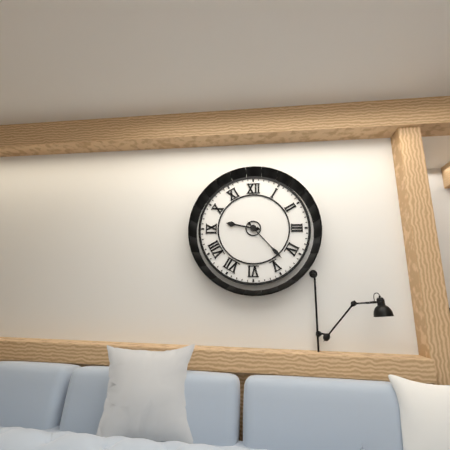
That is 9.23
